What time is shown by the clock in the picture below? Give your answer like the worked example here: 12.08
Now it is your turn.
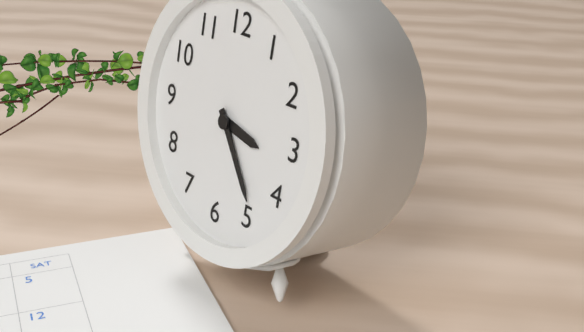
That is 3.24
